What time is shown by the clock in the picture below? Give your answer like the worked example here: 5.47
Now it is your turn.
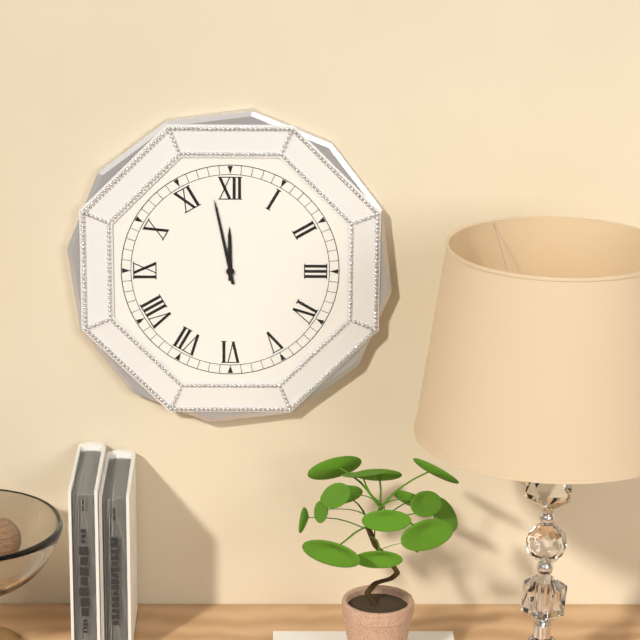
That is 11.58
